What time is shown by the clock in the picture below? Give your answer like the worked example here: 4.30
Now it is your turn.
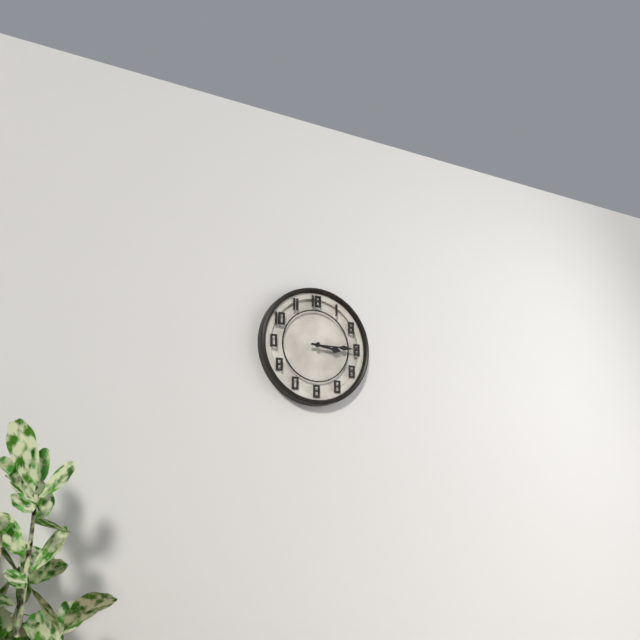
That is 3.15
